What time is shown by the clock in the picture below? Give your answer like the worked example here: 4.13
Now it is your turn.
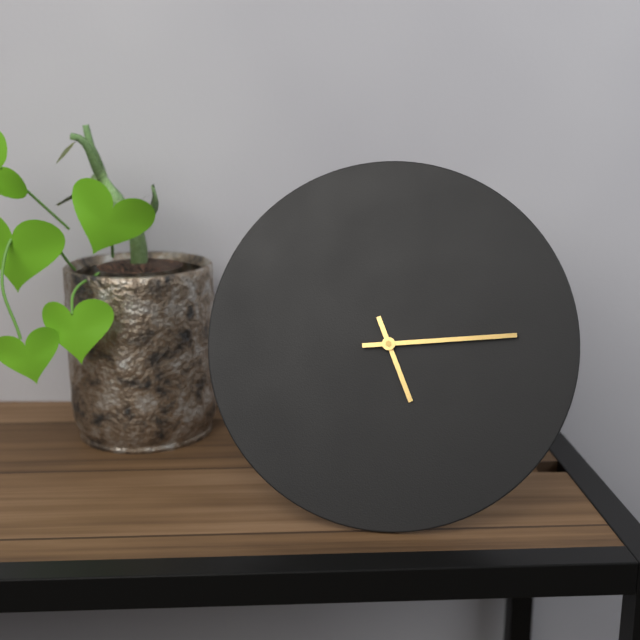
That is 5.14
